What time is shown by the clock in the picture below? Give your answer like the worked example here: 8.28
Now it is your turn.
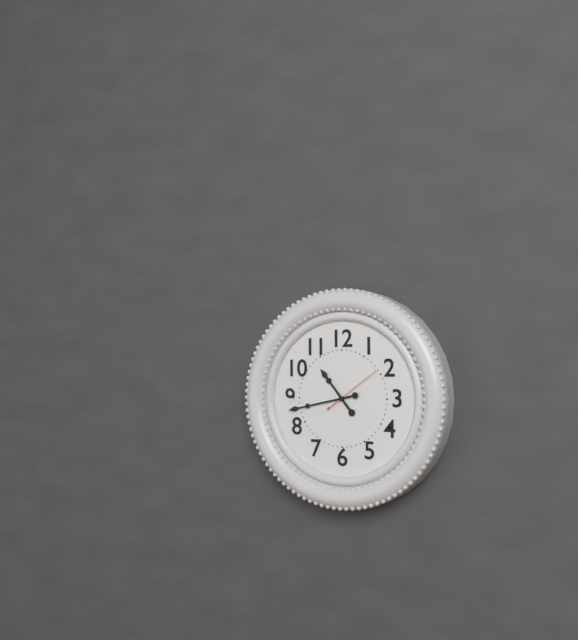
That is 10.43
